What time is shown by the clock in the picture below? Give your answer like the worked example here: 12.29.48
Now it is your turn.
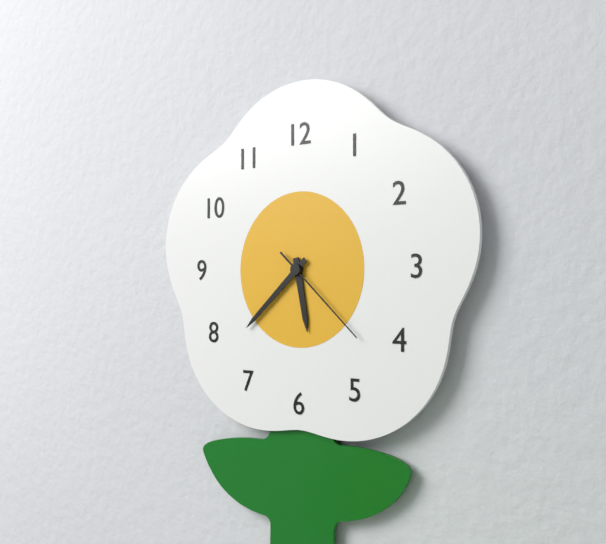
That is 5.38.22
